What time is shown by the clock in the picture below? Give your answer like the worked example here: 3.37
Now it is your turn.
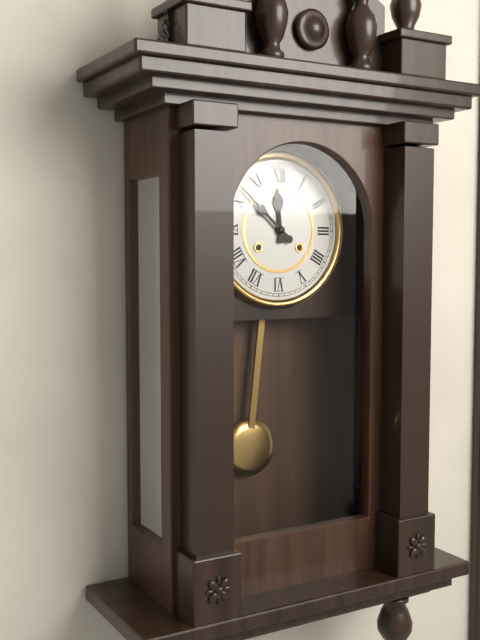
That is 11.52
